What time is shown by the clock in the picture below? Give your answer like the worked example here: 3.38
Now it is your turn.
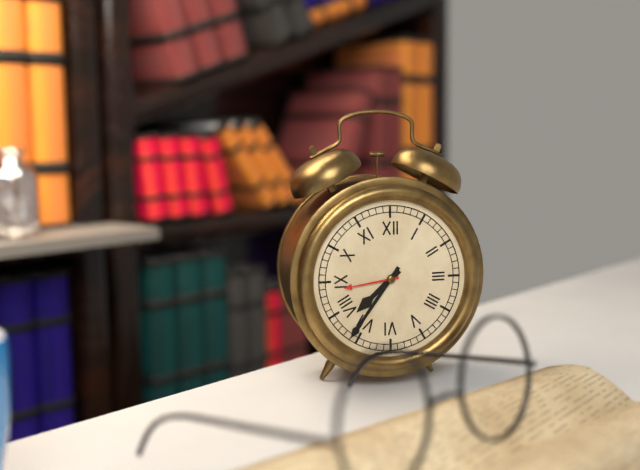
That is 7.36
